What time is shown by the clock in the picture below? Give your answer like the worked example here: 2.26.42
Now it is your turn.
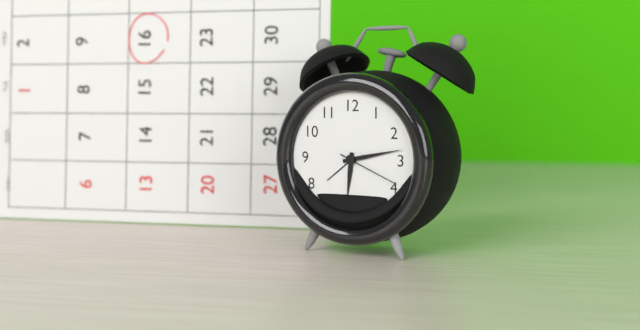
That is 6.13.19
